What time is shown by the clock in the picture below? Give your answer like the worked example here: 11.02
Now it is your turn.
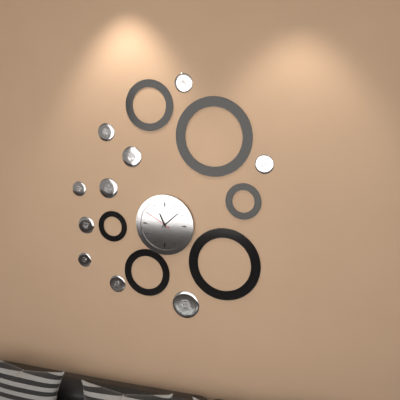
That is 11.08
